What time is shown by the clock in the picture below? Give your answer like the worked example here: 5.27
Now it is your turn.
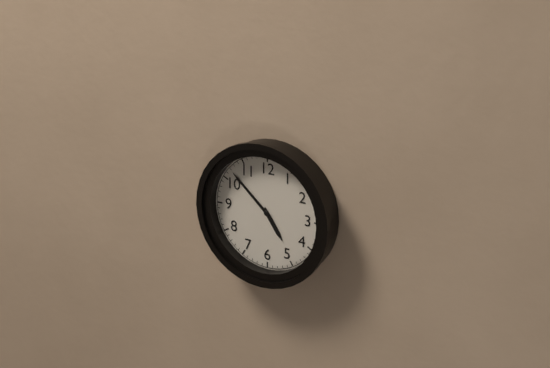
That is 4.52
